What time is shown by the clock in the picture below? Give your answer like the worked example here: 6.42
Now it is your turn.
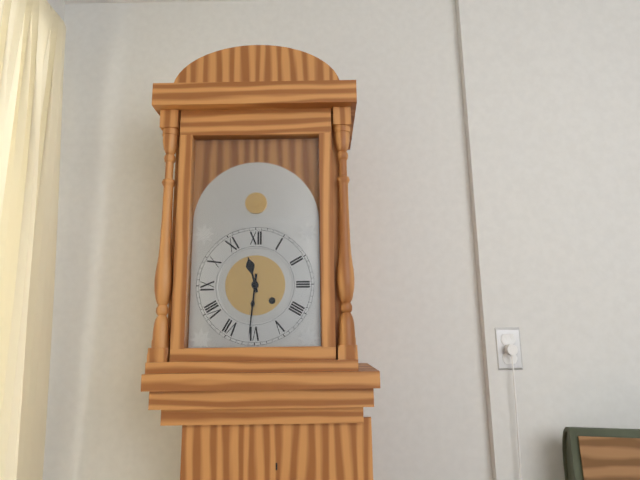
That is 11.31
